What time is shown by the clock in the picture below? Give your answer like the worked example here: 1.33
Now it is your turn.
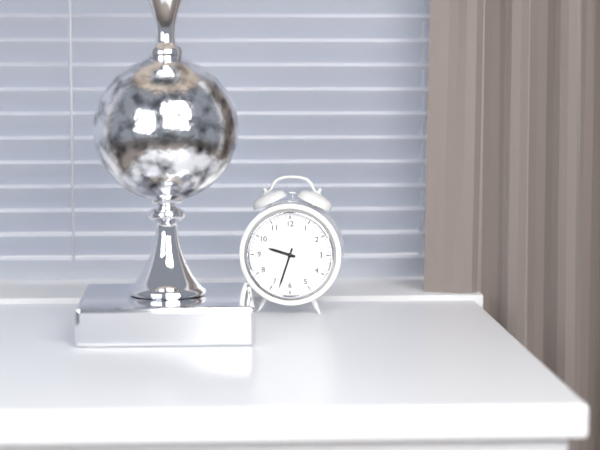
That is 9.33
